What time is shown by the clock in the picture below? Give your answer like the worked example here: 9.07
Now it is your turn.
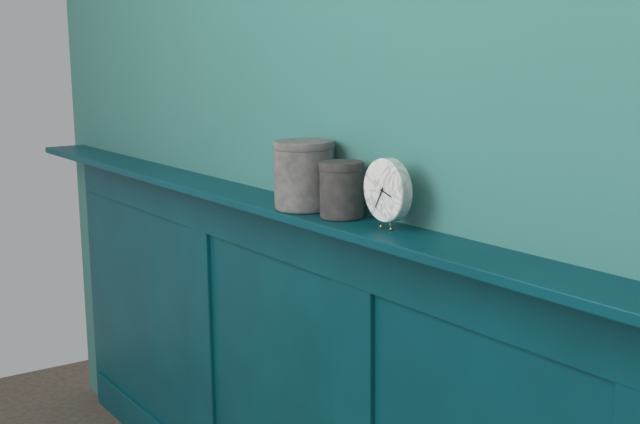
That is 3.35
